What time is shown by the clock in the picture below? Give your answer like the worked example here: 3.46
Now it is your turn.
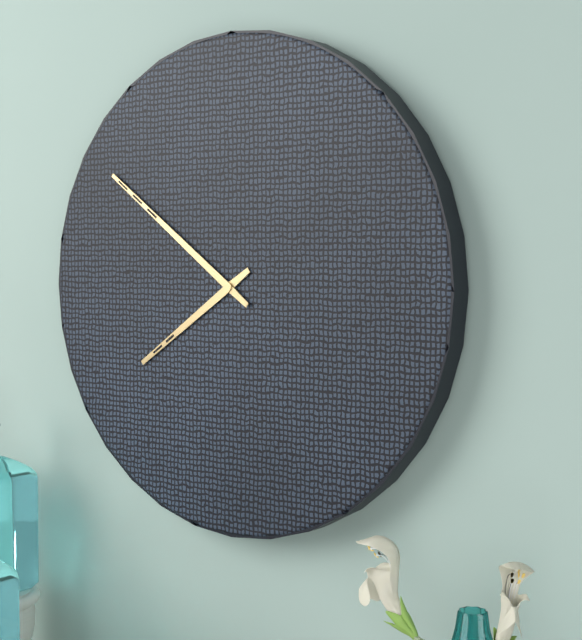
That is 7.51
